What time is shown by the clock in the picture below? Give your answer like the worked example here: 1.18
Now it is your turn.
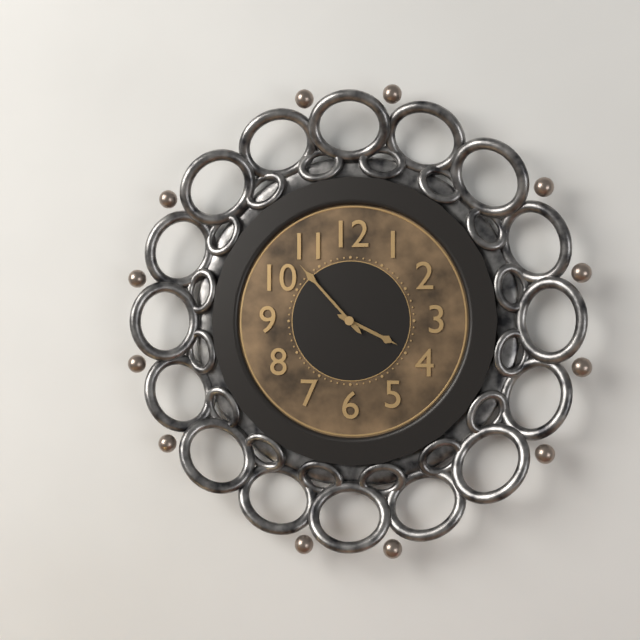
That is 3.53
